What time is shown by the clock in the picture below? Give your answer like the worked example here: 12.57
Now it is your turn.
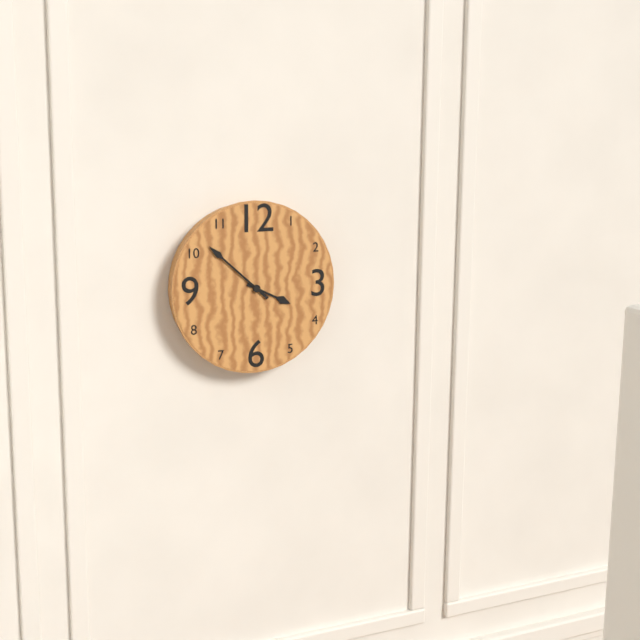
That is 3.52
